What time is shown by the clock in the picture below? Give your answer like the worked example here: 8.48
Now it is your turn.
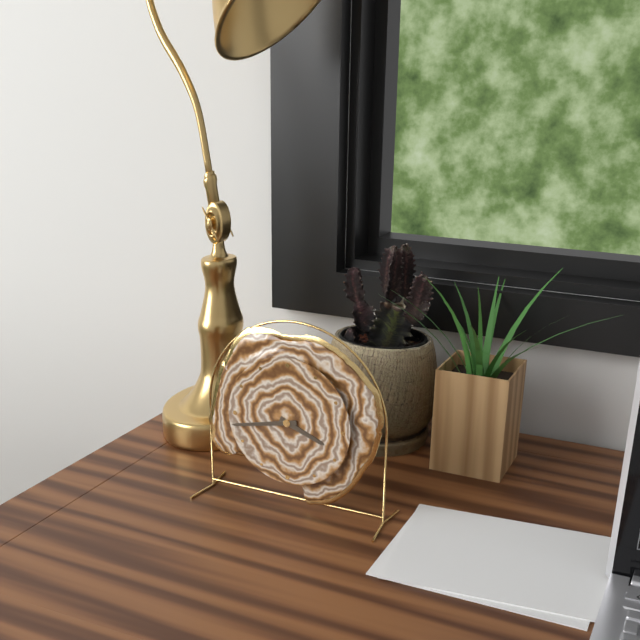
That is 3.43
